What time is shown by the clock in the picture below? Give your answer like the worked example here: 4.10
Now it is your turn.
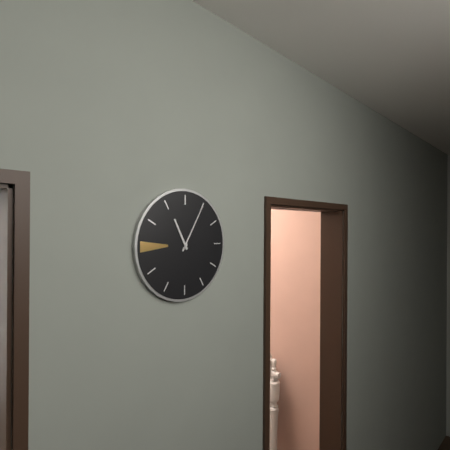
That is 11.05
